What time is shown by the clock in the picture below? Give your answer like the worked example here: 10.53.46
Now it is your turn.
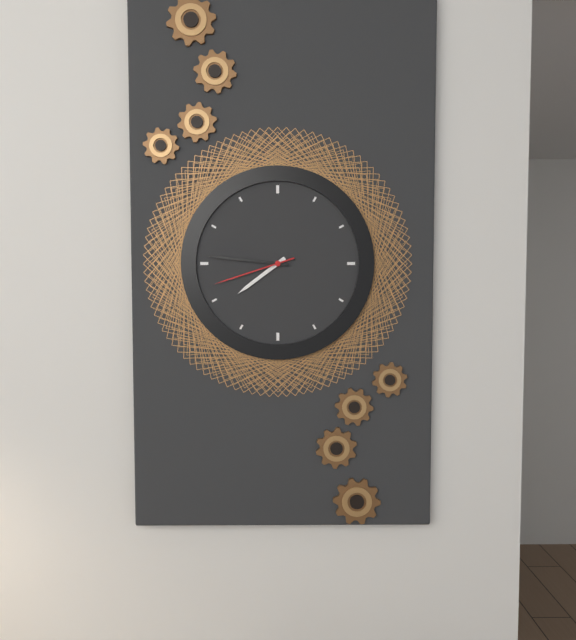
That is 7.46.42
